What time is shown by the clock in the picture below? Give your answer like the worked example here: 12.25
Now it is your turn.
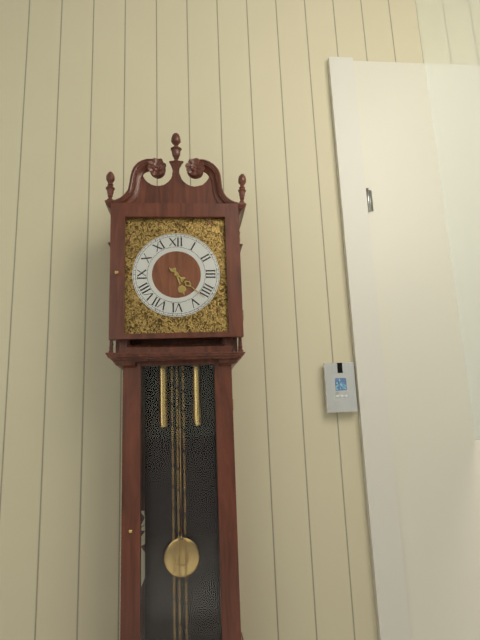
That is 5.22
